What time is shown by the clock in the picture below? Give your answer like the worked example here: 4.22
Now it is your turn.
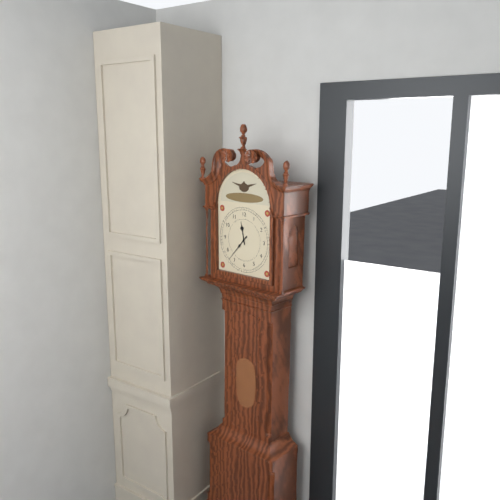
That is 11.37
